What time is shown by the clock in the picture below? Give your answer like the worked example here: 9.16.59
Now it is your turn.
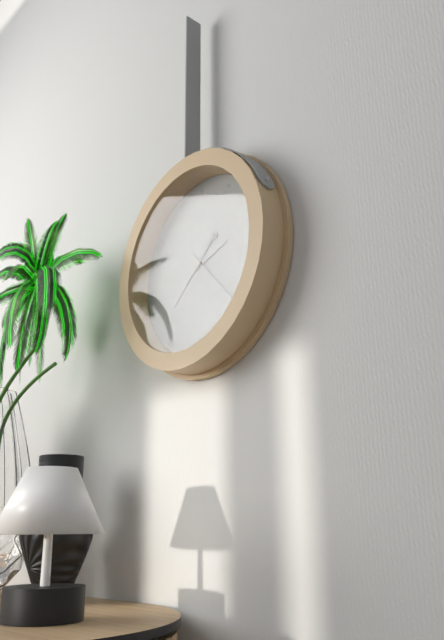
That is 2.23.38
